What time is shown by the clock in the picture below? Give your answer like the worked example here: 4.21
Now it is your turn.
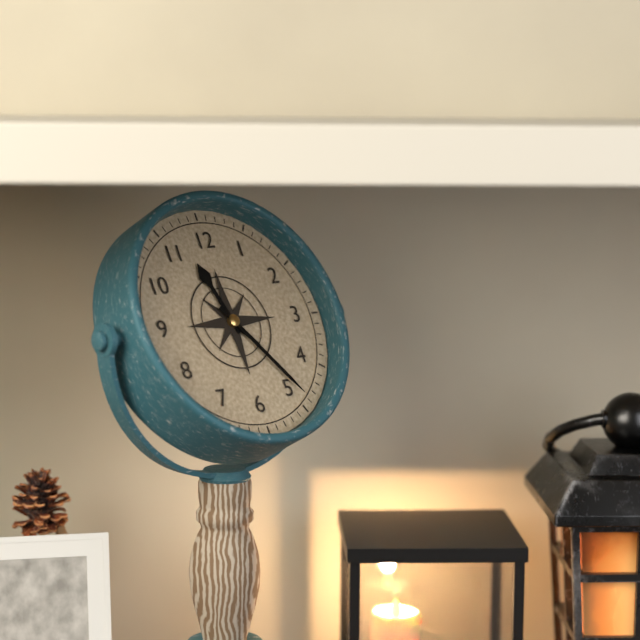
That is 11.24
